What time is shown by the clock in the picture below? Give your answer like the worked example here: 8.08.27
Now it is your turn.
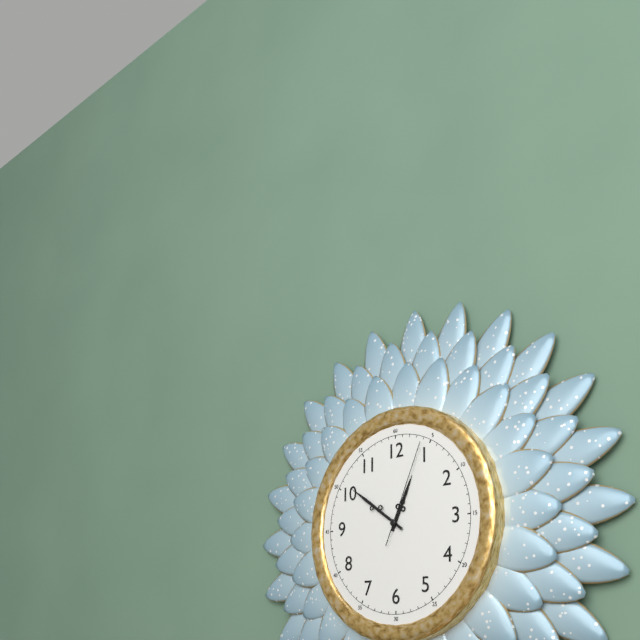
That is 12.51.04
